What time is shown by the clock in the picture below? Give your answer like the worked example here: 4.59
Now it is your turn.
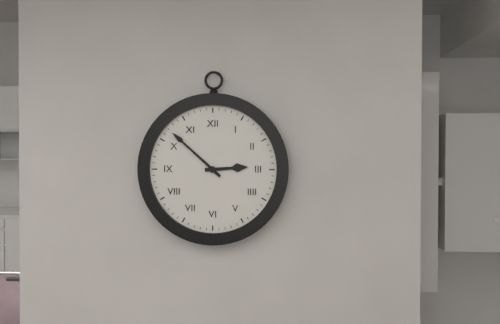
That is 2.52
